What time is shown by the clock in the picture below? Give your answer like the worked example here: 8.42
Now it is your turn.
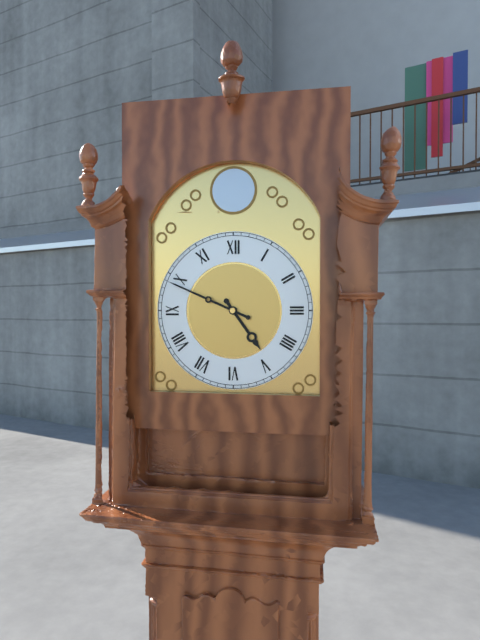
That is 4.49
